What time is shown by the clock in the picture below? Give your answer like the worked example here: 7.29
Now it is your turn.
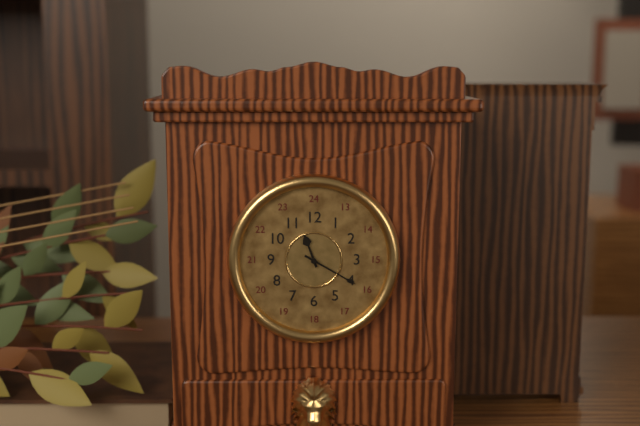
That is 11.20
